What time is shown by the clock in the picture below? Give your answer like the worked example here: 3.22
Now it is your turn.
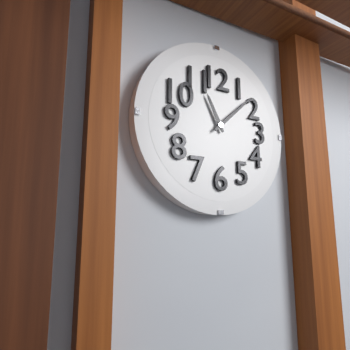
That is 11.08
